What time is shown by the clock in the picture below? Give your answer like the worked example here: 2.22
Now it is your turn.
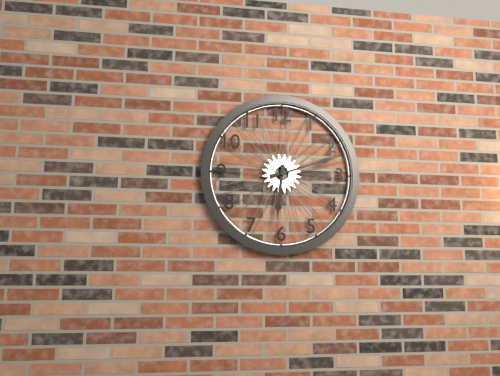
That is 6.12
